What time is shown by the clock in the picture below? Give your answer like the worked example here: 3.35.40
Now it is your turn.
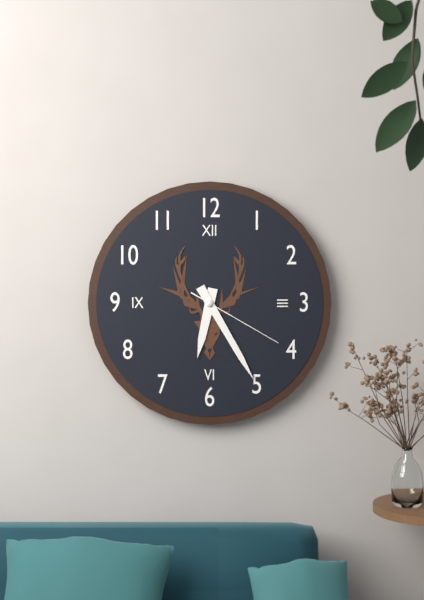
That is 6.25.20
